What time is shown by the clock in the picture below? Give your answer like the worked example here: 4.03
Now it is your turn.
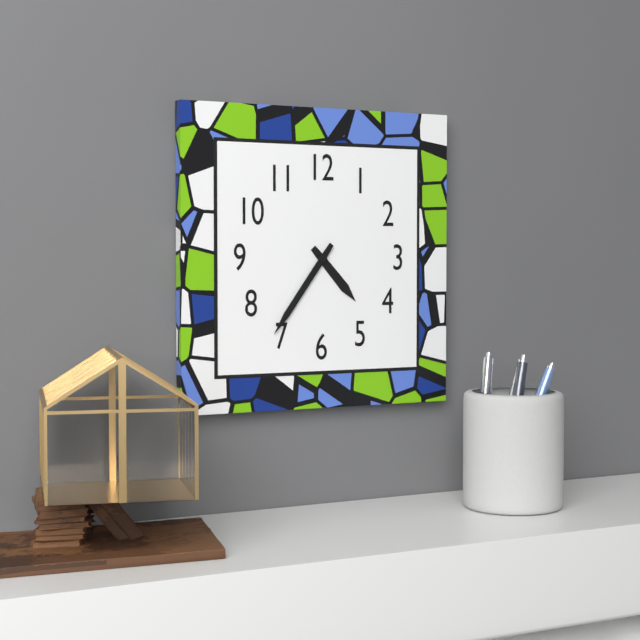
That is 4.36
